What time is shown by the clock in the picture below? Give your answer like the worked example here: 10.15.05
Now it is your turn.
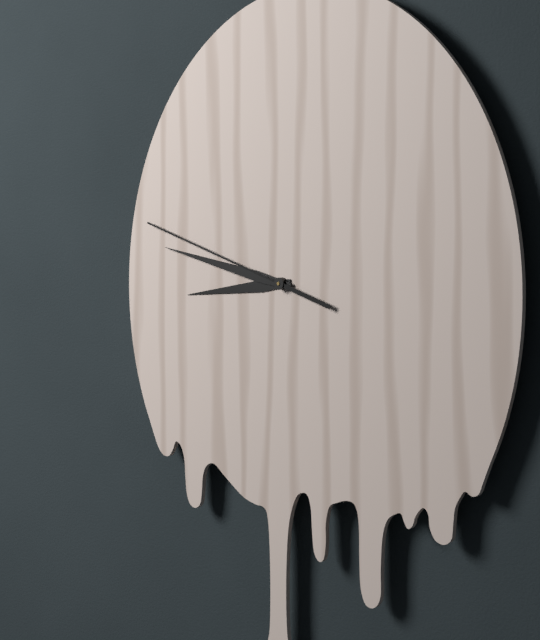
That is 8.47.48
